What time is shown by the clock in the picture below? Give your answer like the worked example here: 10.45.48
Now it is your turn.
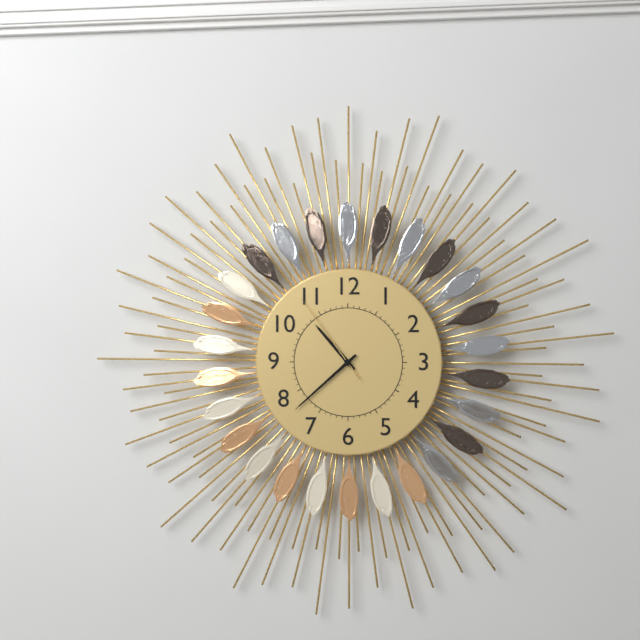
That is 10.38.54
